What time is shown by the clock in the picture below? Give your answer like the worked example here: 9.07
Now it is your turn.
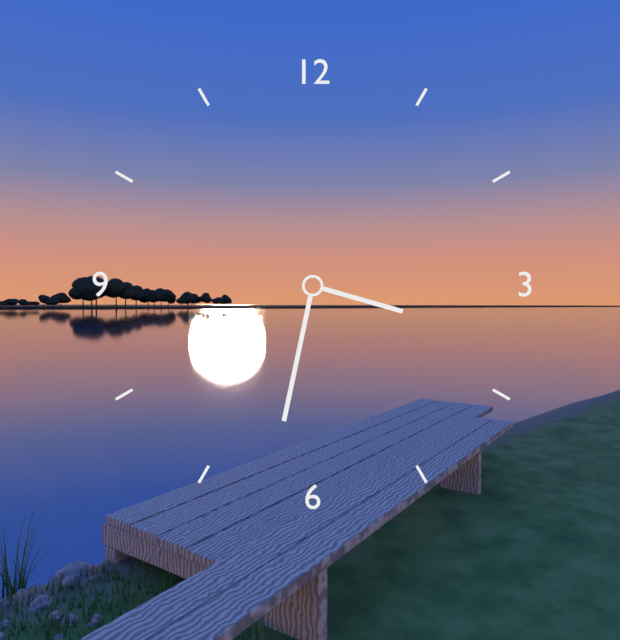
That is 3.32
